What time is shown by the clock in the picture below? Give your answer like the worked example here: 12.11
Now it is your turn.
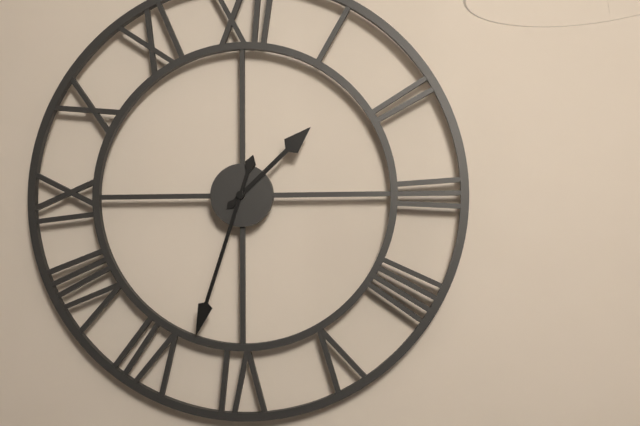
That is 1.33
